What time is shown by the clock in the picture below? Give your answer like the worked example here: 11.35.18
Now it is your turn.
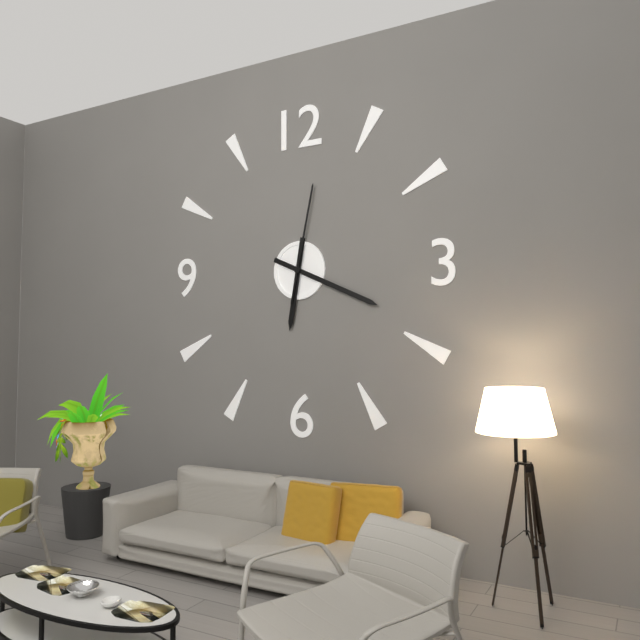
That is 6.19.02
